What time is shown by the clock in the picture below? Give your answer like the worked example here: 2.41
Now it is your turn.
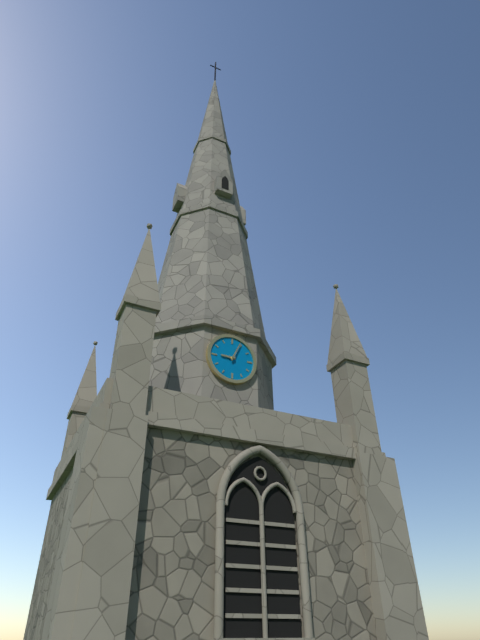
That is 9.04
